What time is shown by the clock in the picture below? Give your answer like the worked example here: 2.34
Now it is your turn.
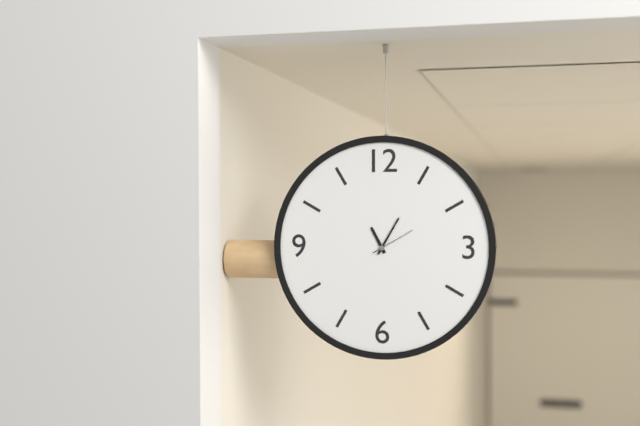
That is 11.05
